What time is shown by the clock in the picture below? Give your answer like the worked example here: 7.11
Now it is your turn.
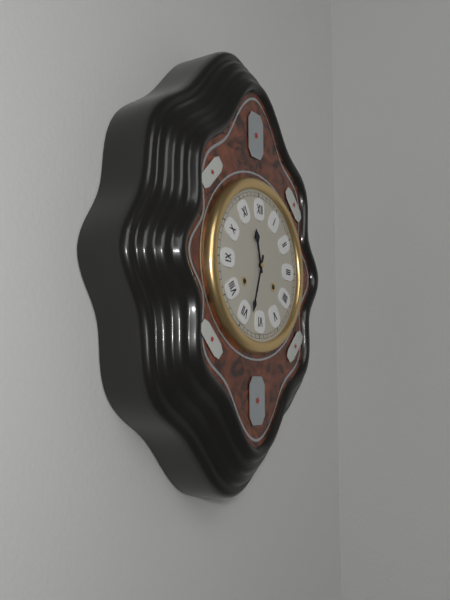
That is 11.33
